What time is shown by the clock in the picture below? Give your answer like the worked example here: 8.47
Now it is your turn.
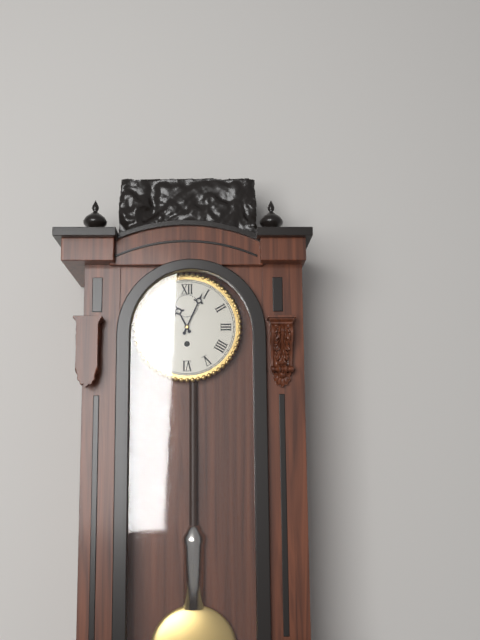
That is 11.04
